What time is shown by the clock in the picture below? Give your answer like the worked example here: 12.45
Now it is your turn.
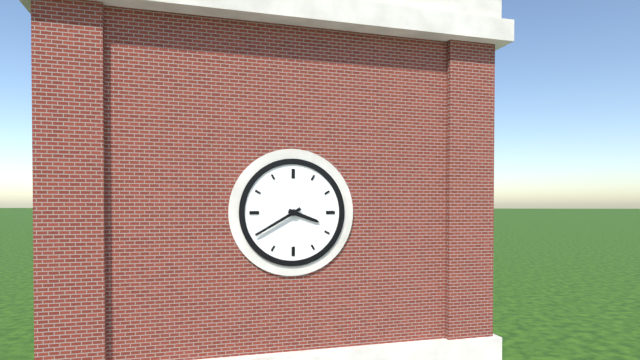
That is 3.40
